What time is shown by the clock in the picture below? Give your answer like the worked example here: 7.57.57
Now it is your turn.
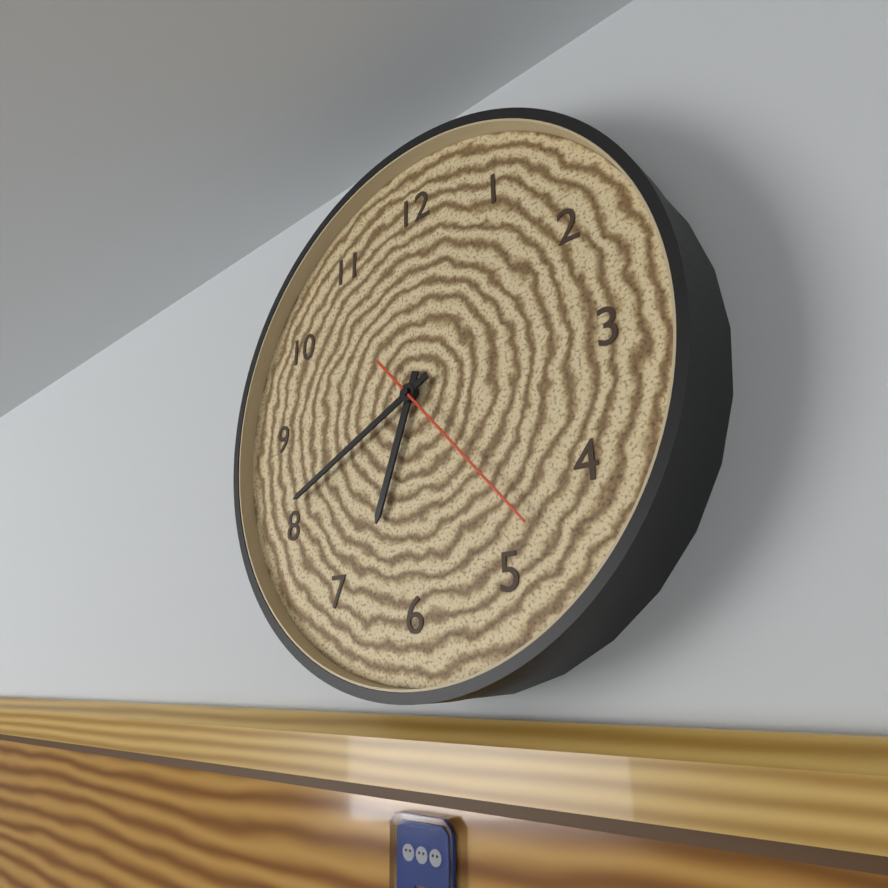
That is 6.41.23
